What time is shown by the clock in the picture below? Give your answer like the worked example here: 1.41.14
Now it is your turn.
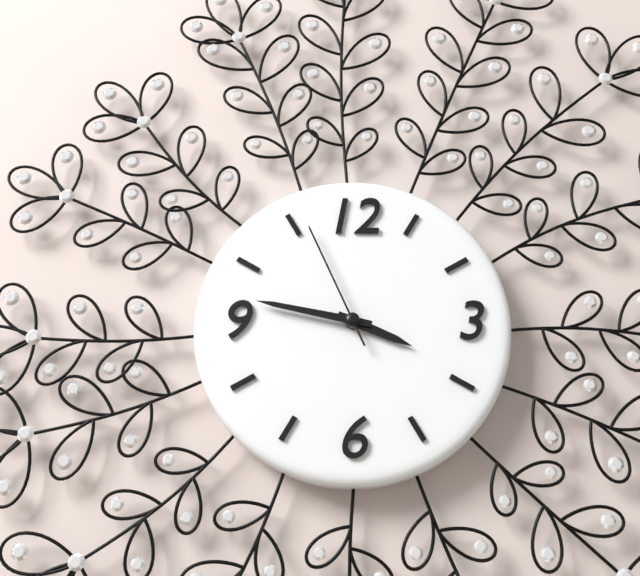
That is 3.47.56
